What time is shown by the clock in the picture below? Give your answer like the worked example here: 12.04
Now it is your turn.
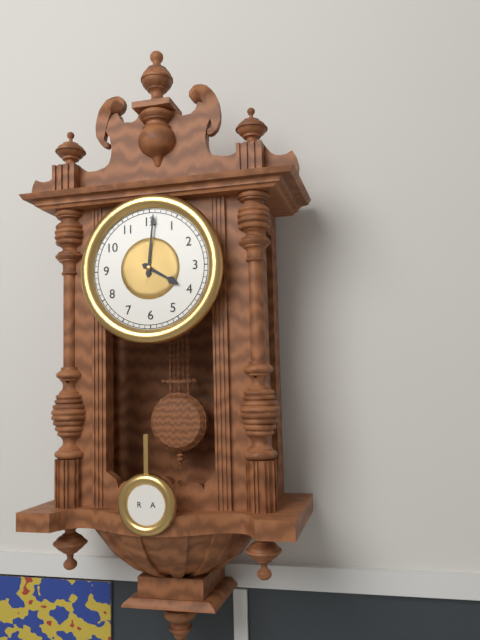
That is 4.01
